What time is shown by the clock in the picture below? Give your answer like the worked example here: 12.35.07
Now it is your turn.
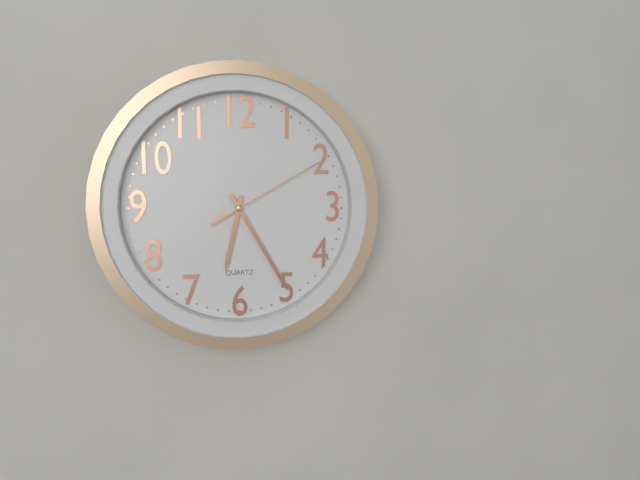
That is 6.25.10
